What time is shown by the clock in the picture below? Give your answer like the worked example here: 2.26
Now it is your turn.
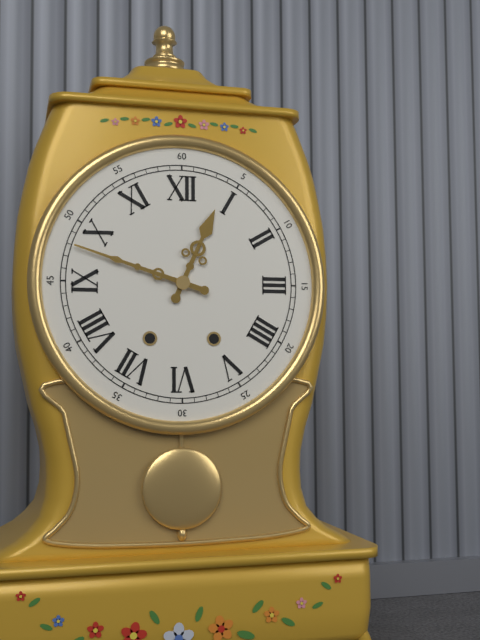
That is 12.48
